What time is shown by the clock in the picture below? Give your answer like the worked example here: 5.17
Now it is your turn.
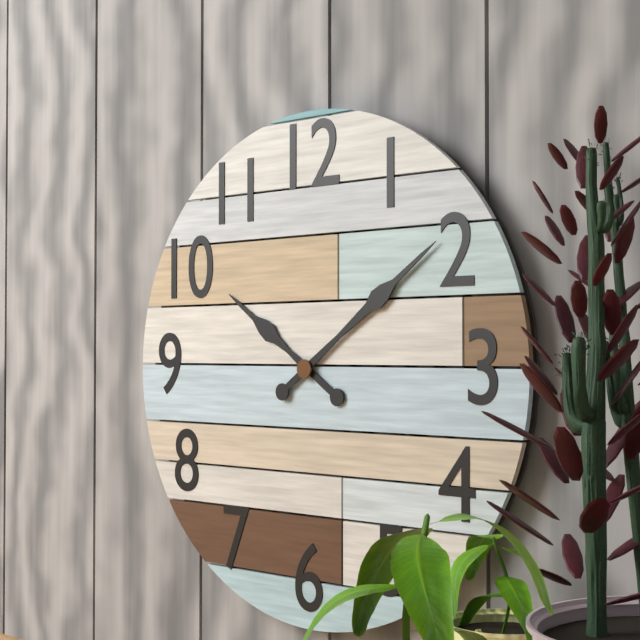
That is 10.09
